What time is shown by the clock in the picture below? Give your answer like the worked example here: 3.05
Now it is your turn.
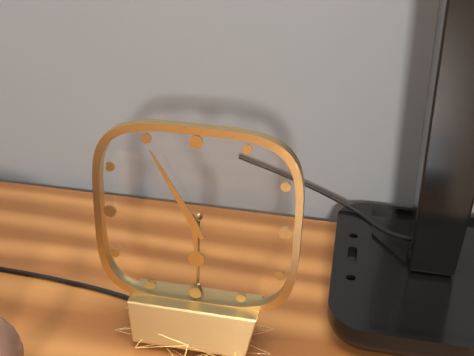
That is 5.55
